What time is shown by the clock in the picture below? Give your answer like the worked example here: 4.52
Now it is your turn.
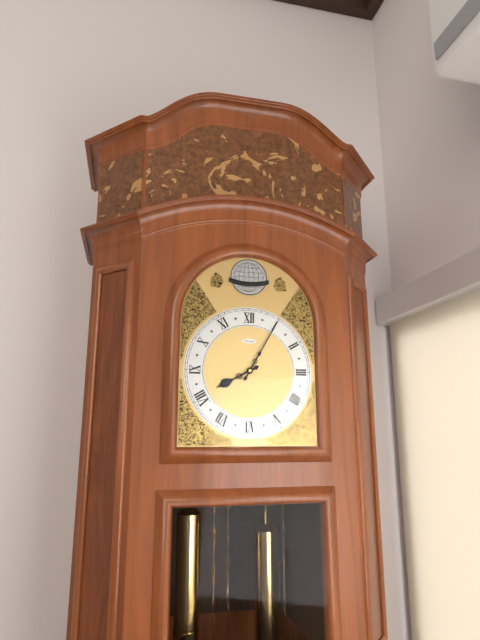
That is 8.05
